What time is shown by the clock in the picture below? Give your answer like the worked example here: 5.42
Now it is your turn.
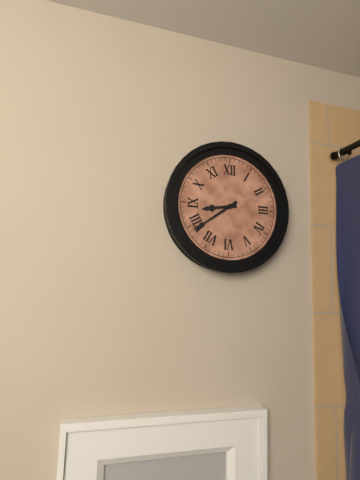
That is 8.39
